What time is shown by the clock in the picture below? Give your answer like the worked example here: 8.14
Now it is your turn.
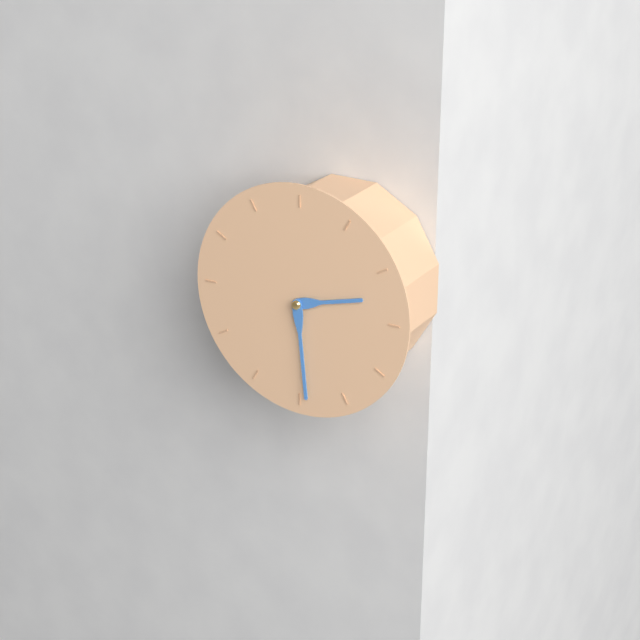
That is 2.29
